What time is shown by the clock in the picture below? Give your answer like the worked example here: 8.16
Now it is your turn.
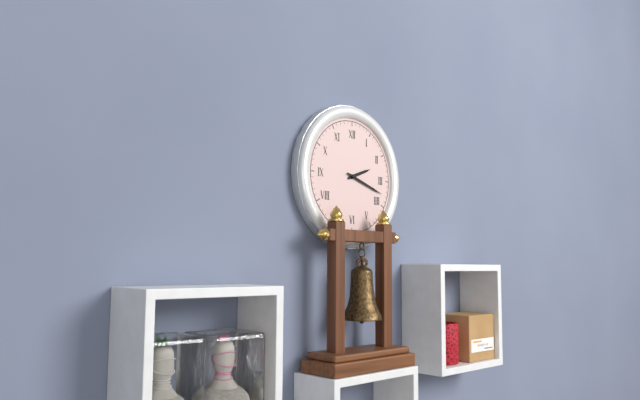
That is 2.18
